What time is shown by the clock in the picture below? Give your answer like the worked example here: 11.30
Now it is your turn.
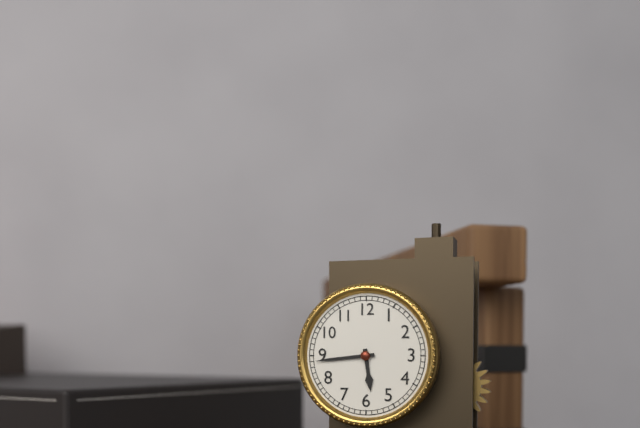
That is 5.44
